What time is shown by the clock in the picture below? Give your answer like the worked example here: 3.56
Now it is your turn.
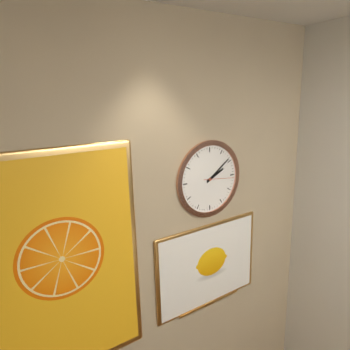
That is 2.09
